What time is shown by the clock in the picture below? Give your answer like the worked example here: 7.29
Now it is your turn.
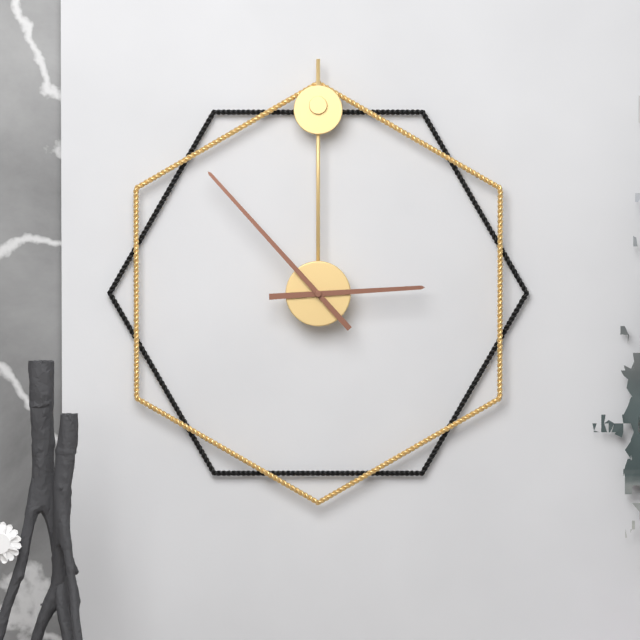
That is 2.53
